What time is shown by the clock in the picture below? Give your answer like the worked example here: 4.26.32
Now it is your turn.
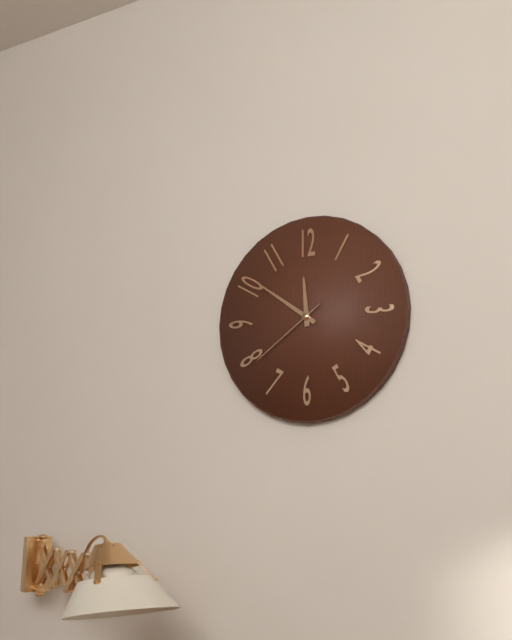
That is 11.51.39
